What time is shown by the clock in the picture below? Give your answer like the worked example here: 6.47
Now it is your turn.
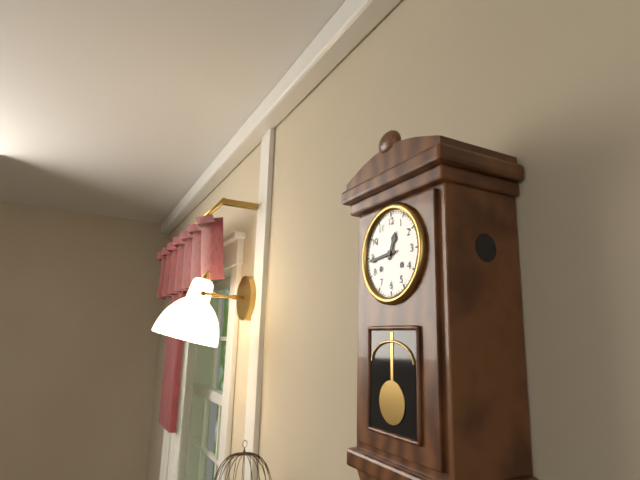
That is 12.44
